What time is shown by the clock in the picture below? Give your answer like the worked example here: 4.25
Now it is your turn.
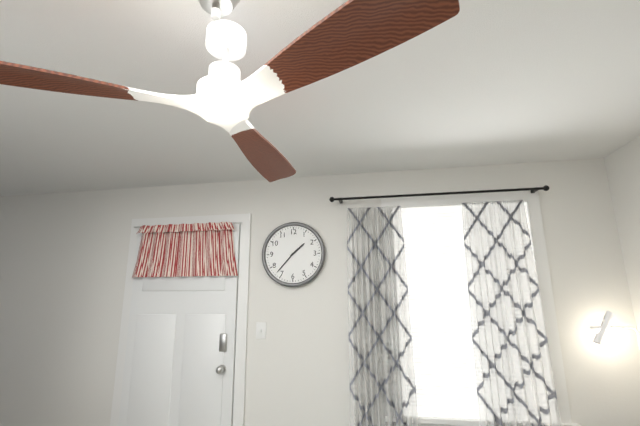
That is 1.37
